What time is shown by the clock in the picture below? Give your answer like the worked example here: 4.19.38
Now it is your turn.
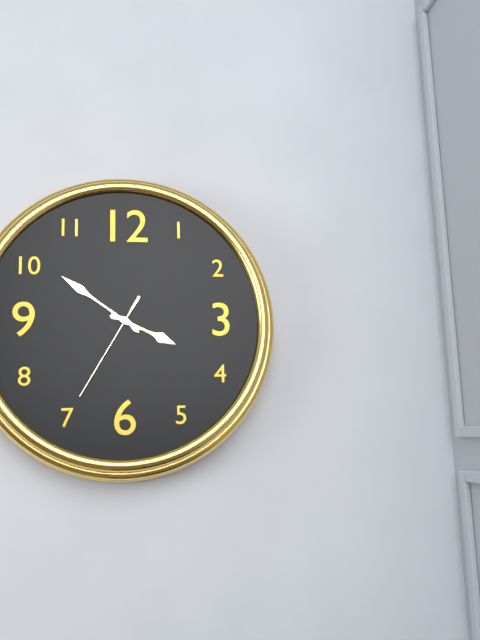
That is 3.51.35
